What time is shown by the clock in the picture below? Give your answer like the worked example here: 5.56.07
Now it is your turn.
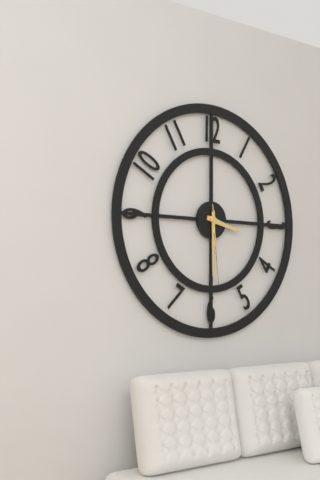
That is 3.30.29
